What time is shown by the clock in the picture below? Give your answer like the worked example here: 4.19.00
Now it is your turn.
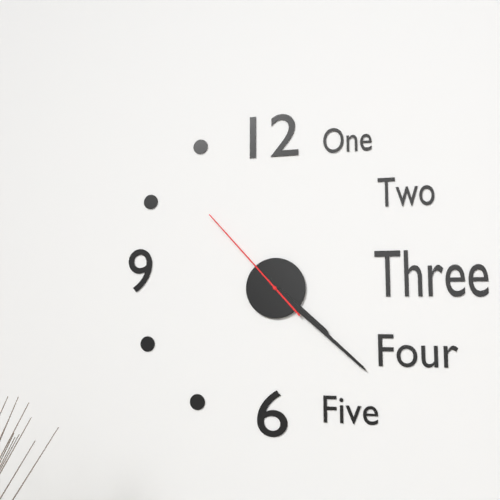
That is 4.22.53
